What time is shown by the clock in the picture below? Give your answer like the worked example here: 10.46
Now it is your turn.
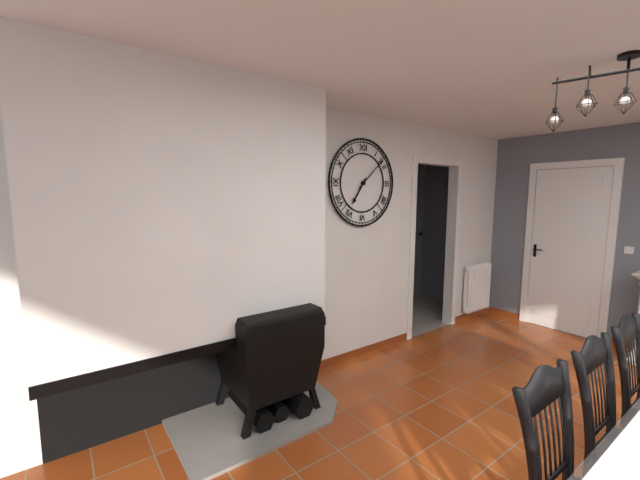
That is 7.08
